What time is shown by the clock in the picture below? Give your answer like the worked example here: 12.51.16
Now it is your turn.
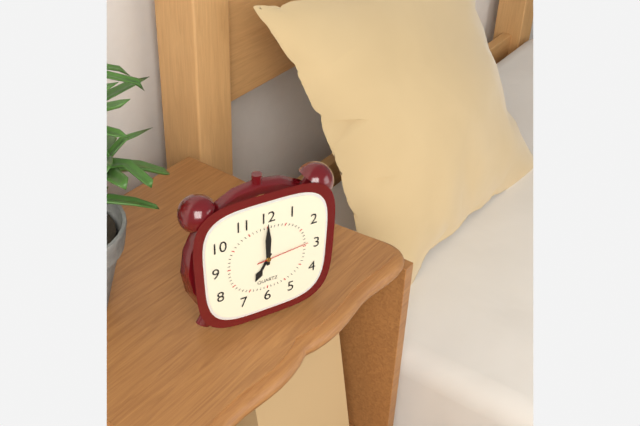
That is 7.00.14
